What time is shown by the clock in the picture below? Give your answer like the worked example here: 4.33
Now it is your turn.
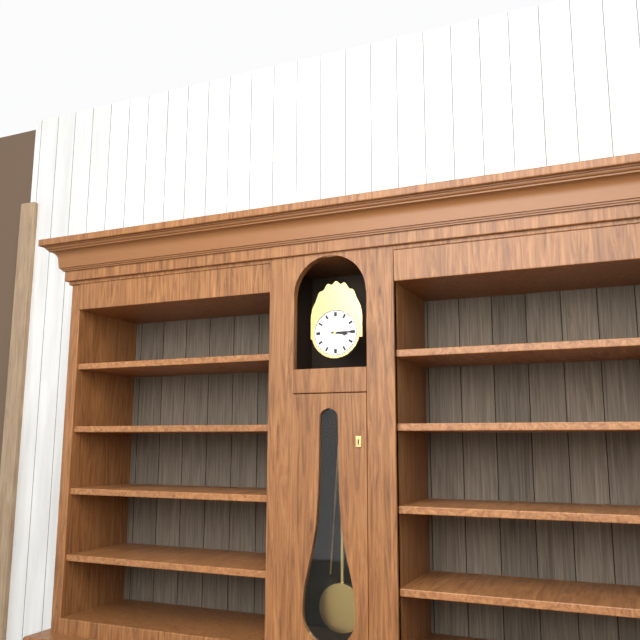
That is 3.15
